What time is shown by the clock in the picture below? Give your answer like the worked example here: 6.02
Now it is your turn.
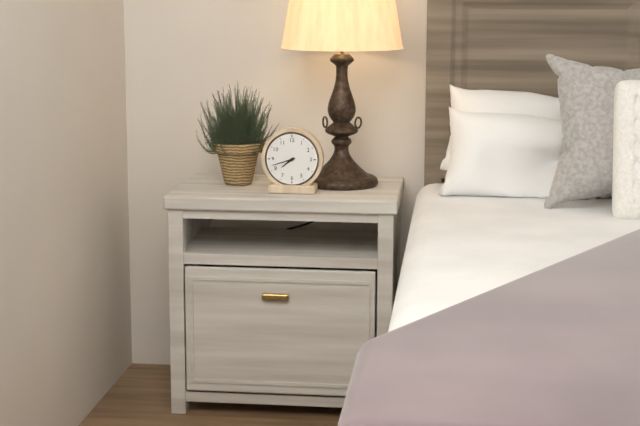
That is 7.42
